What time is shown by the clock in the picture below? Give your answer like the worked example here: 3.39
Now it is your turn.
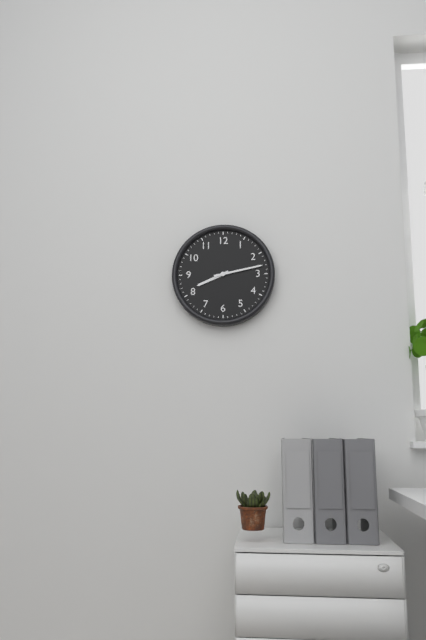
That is 8.13
